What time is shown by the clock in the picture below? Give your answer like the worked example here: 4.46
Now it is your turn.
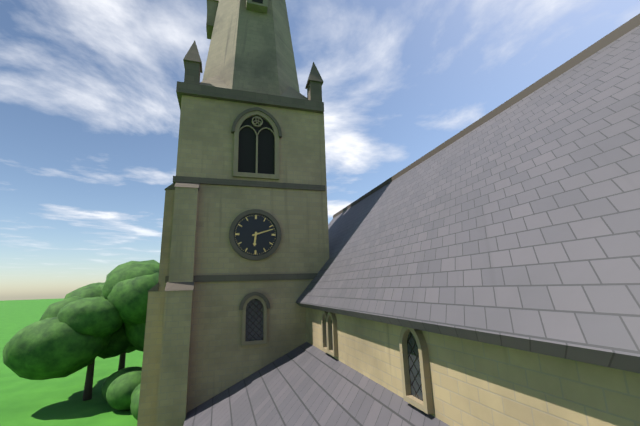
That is 6.12
